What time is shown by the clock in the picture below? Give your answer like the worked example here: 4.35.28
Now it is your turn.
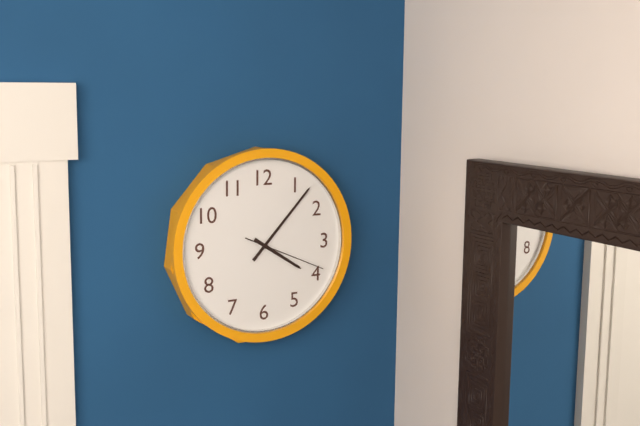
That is 4.07.19
